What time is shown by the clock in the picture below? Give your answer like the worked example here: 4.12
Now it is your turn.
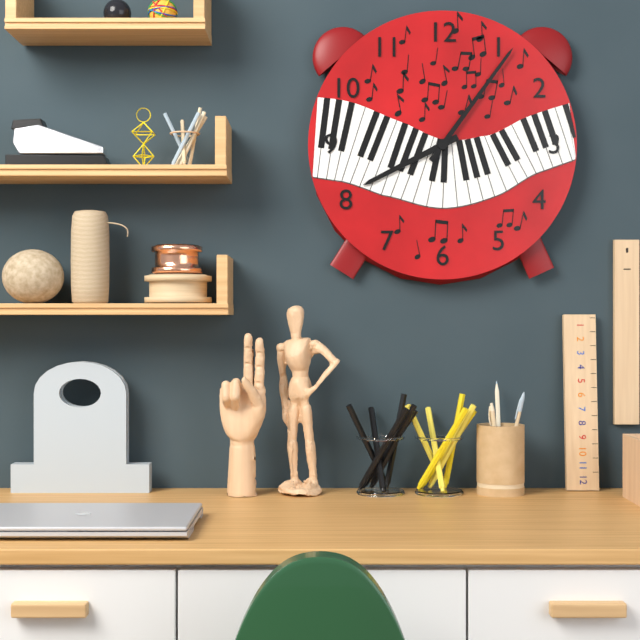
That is 8.06
